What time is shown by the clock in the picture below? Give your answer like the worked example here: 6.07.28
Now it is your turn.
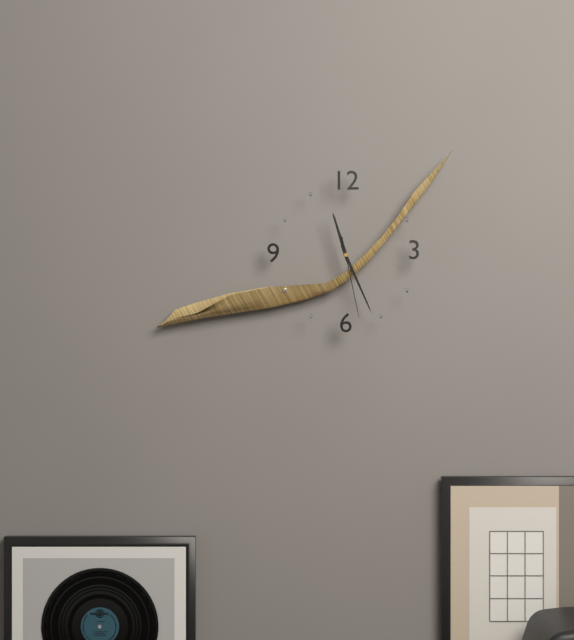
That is 11.26.28
